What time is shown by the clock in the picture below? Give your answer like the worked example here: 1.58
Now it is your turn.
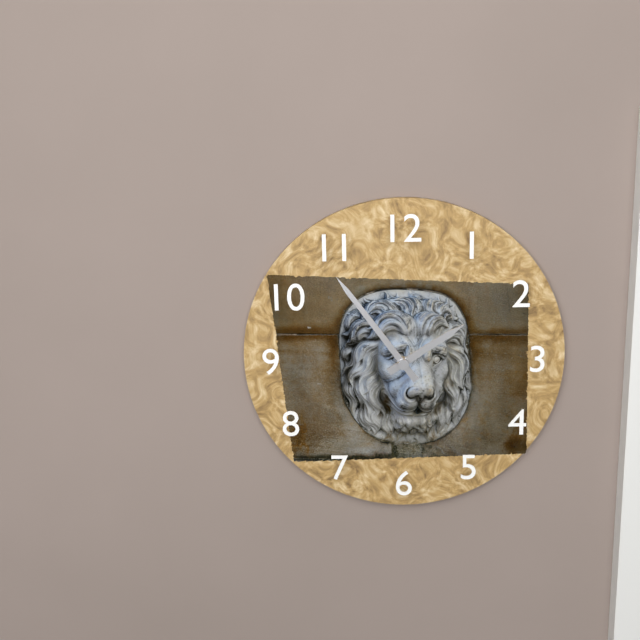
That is 1.54
